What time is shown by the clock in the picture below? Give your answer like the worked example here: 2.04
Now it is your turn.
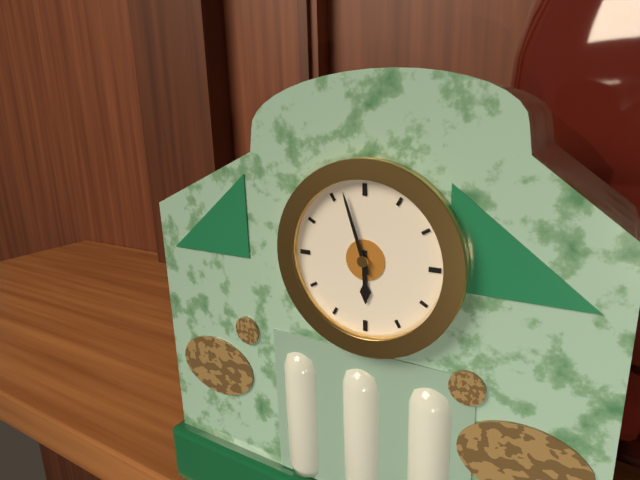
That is 5.57
